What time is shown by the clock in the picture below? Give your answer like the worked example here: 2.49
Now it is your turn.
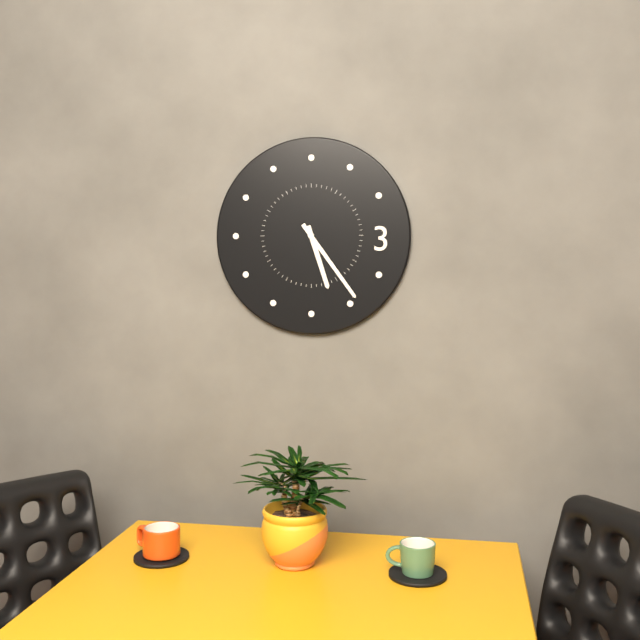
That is 5.24
